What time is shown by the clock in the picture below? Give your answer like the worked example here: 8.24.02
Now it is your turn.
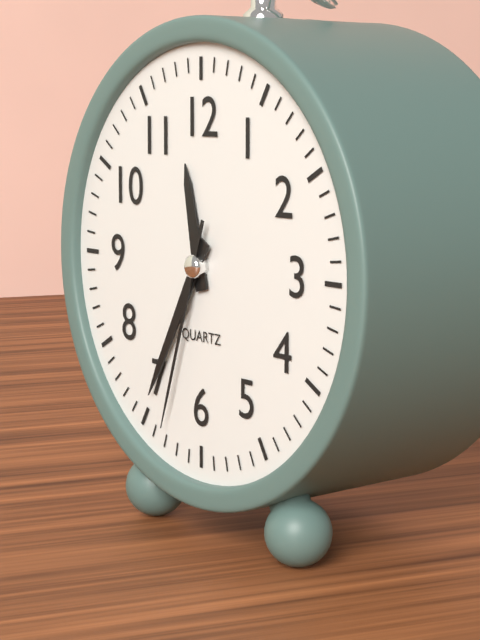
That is 11.35.33
